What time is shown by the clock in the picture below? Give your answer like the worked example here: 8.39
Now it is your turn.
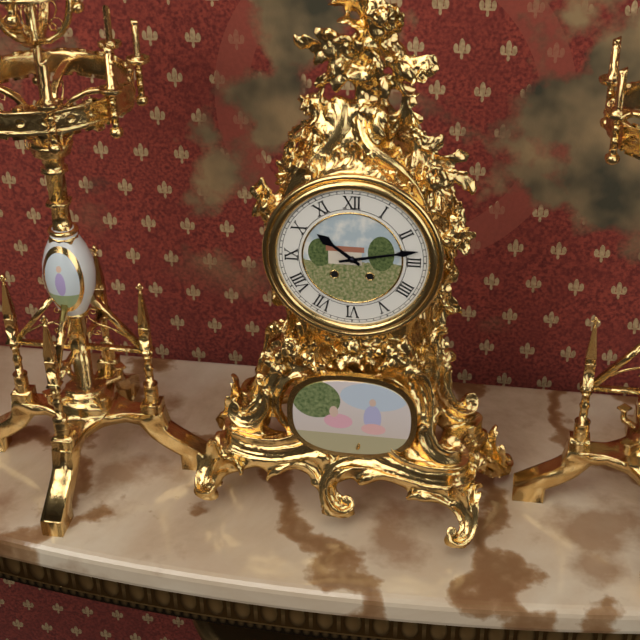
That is 10.13
